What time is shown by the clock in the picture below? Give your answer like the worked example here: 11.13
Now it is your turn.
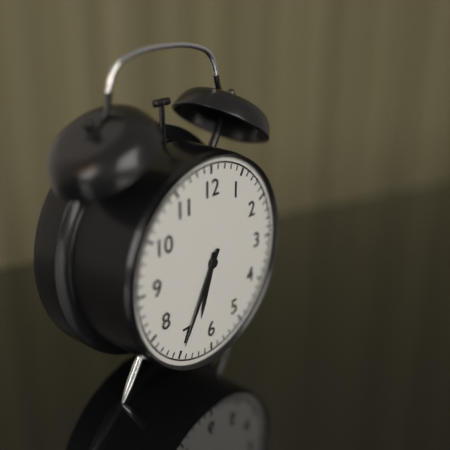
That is 6.35
